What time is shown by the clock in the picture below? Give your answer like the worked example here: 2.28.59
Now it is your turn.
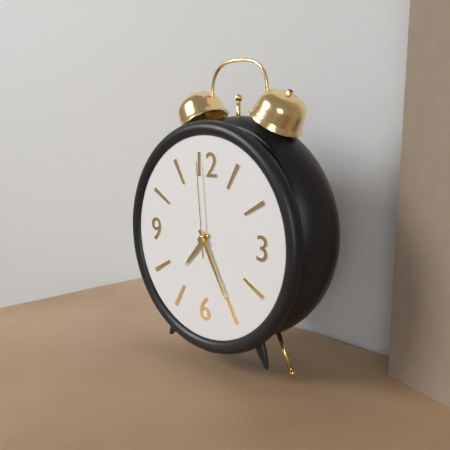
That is 7.25.59
